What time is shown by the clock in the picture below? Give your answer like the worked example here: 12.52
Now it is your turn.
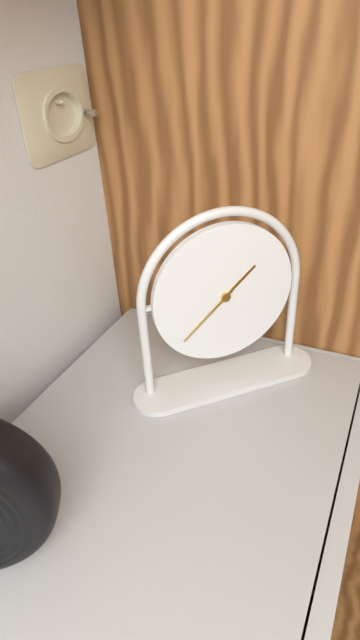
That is 1.38
